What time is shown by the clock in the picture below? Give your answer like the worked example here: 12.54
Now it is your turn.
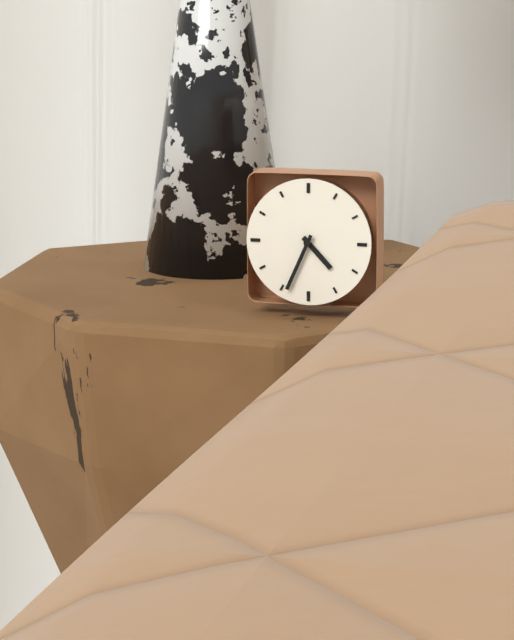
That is 4.34
